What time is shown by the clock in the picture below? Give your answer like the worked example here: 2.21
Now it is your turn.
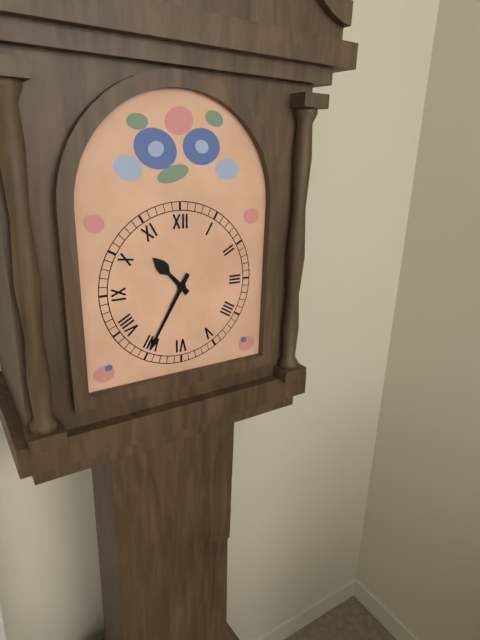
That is 10.35
